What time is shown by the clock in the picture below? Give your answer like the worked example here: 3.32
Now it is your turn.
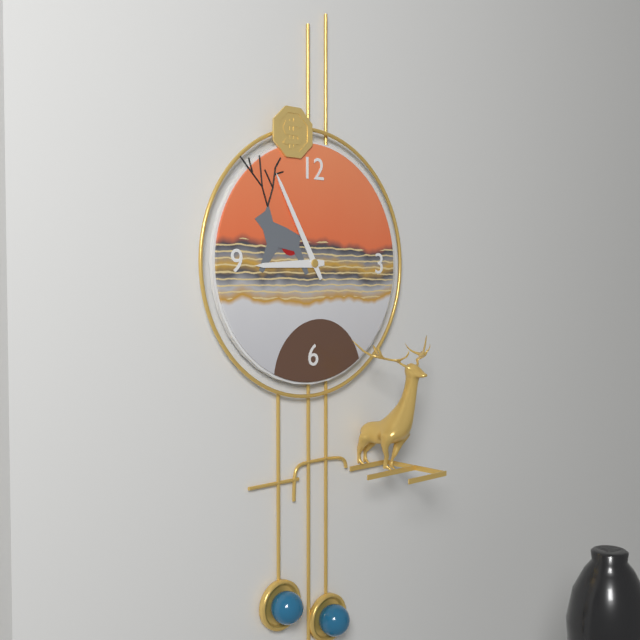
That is 8.55
